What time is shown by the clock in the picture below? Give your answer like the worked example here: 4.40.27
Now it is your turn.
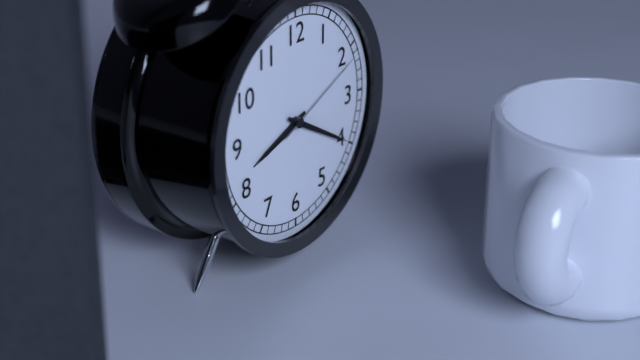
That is 8.20.11
